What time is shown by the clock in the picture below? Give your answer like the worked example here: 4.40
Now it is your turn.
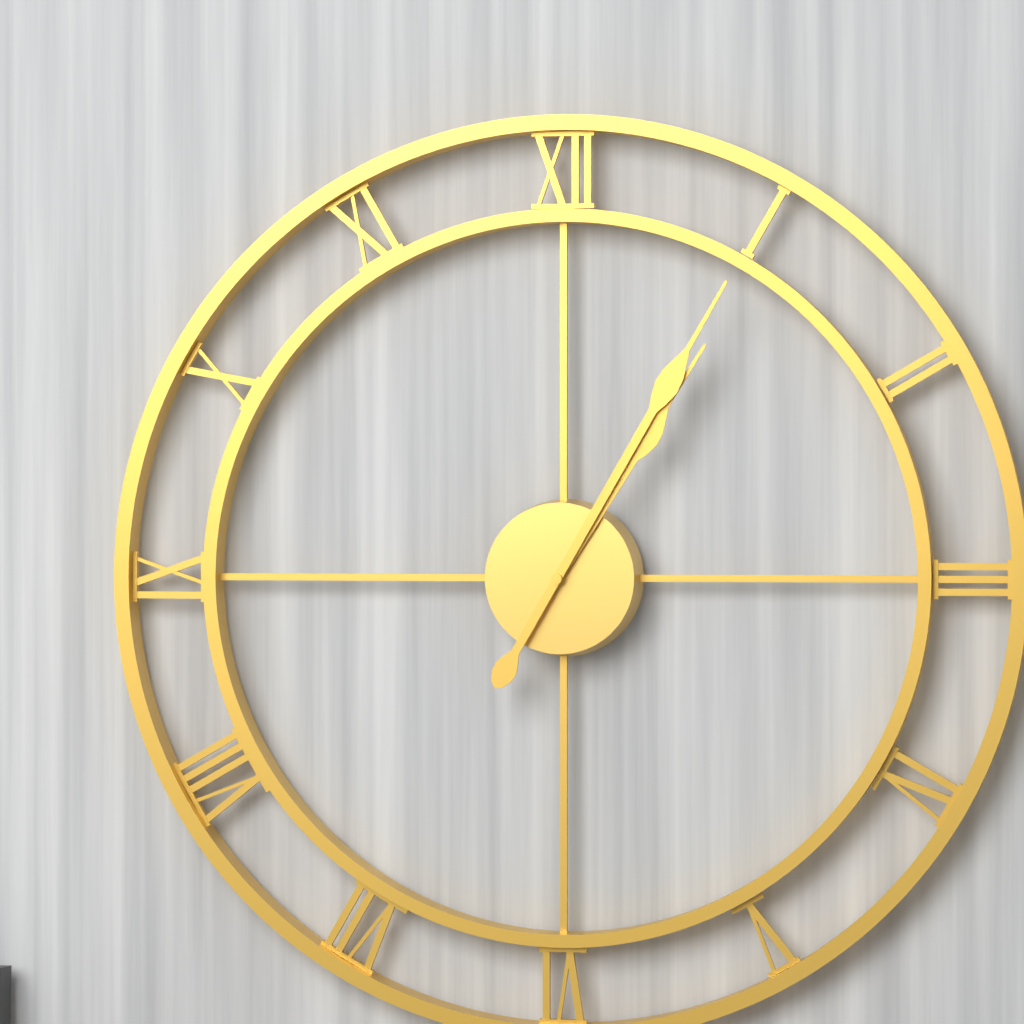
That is 1.05
